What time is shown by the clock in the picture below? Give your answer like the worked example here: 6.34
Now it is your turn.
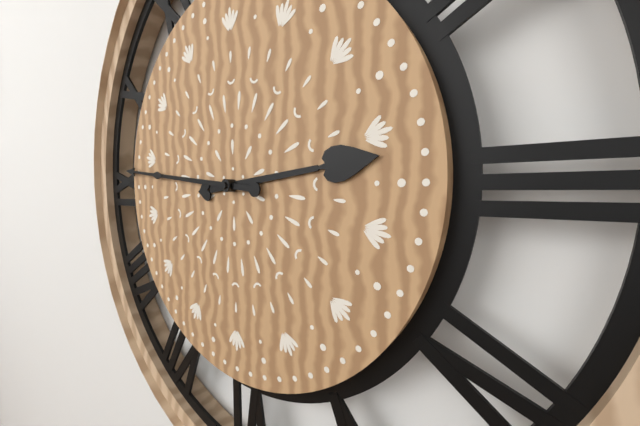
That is 2.46
